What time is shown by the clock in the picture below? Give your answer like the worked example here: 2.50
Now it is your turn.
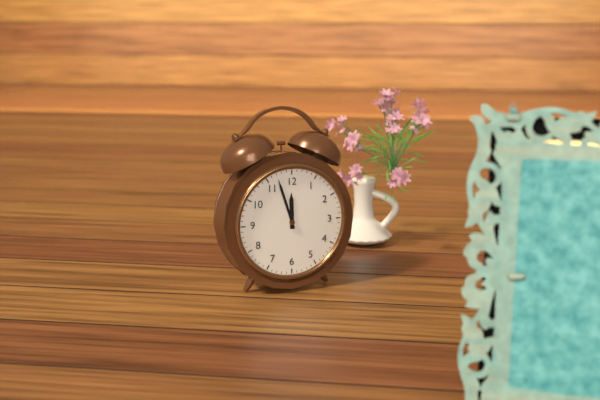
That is 11.57
